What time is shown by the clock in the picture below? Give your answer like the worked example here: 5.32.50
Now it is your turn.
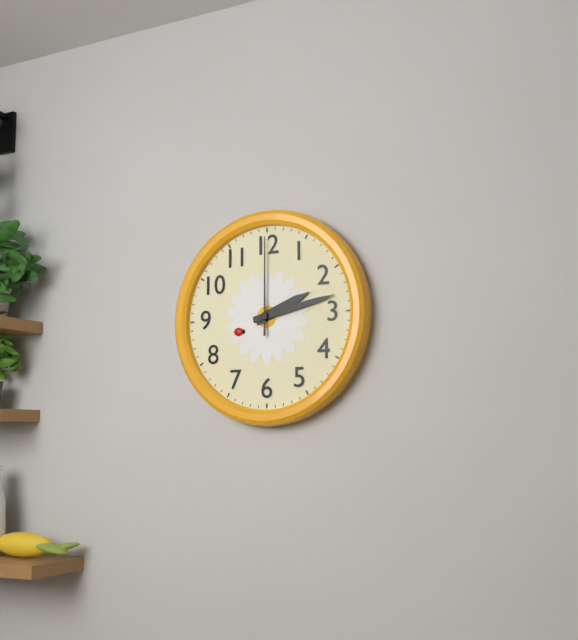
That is 2.13.00
